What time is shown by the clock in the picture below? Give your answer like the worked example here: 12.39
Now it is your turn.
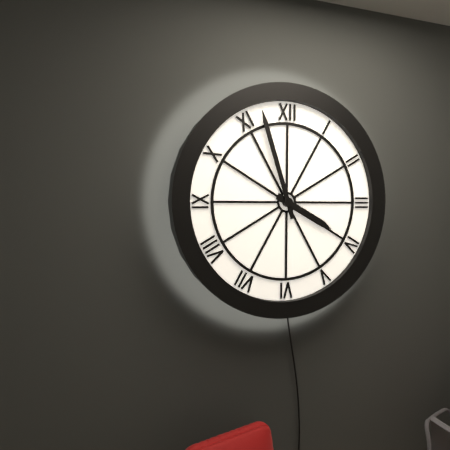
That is 3.57
